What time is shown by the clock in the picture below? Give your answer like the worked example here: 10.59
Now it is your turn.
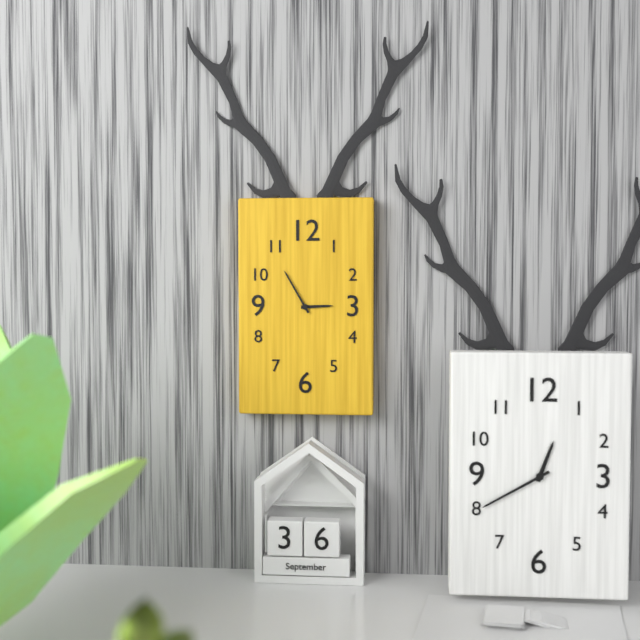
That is 2.55
